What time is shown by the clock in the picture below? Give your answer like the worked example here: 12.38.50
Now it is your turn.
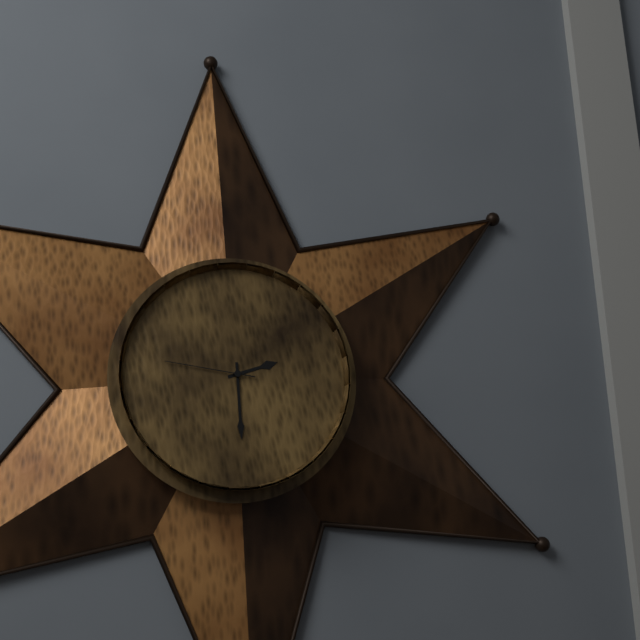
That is 2.30.47
